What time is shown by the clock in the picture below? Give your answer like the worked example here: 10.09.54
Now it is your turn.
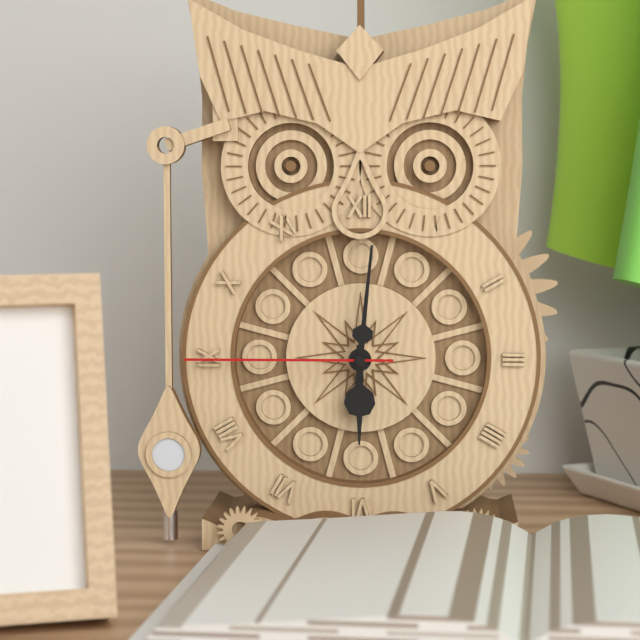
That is 6.01.45
